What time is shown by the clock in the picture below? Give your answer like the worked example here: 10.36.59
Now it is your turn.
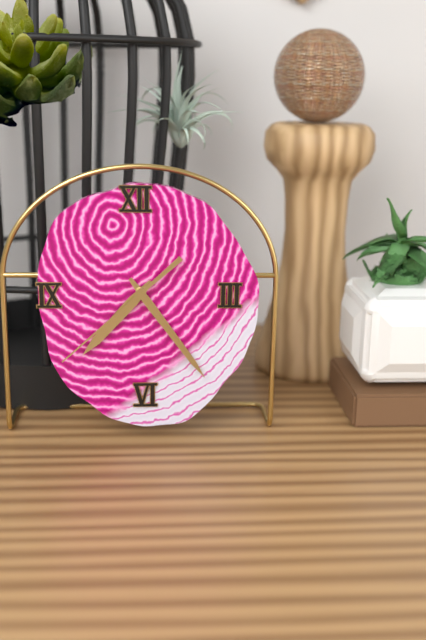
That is 7.24.38
